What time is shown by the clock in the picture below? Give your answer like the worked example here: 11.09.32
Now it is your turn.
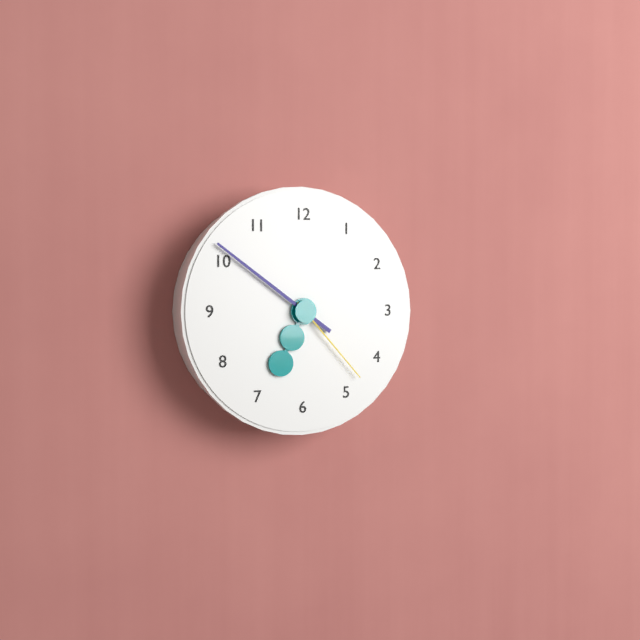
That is 6.51.23
